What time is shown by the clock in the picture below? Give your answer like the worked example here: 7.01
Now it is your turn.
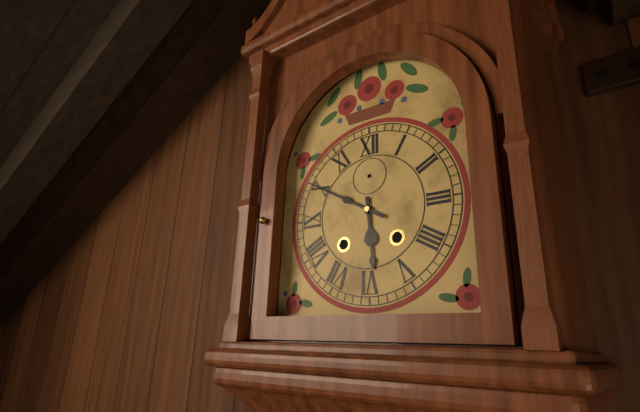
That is 5.50
